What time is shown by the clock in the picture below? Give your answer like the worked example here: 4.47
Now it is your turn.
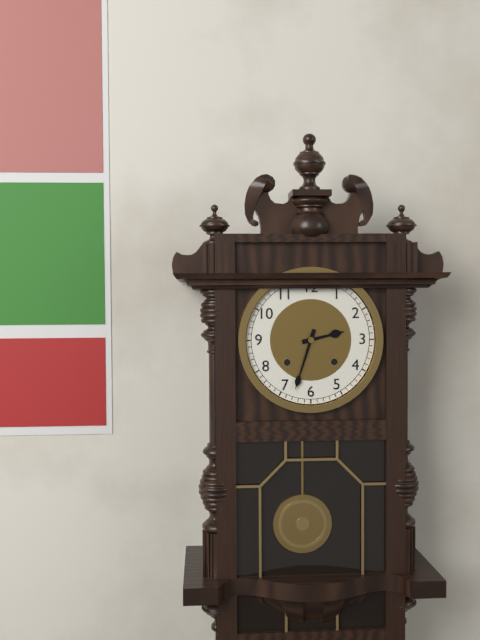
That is 2.33
